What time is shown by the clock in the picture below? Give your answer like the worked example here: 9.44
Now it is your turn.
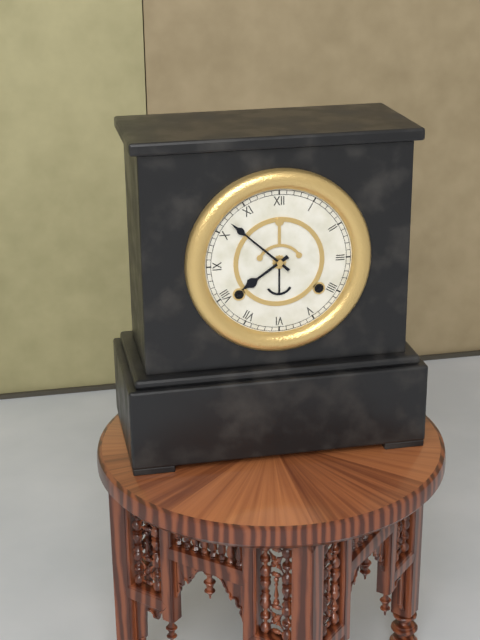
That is 7.52
